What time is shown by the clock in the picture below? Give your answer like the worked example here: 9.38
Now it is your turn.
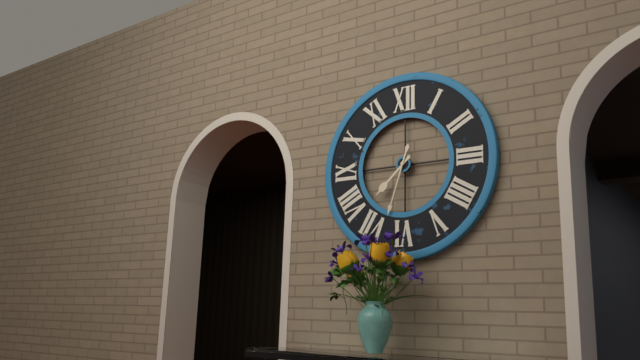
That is 7.33
